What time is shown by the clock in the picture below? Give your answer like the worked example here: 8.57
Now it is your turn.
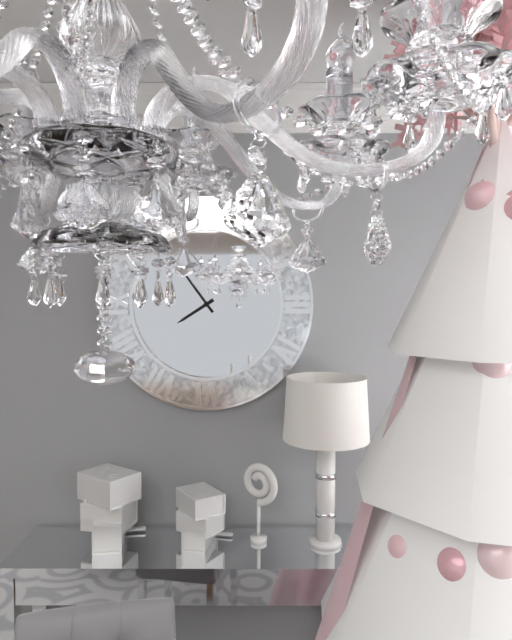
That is 7.54
